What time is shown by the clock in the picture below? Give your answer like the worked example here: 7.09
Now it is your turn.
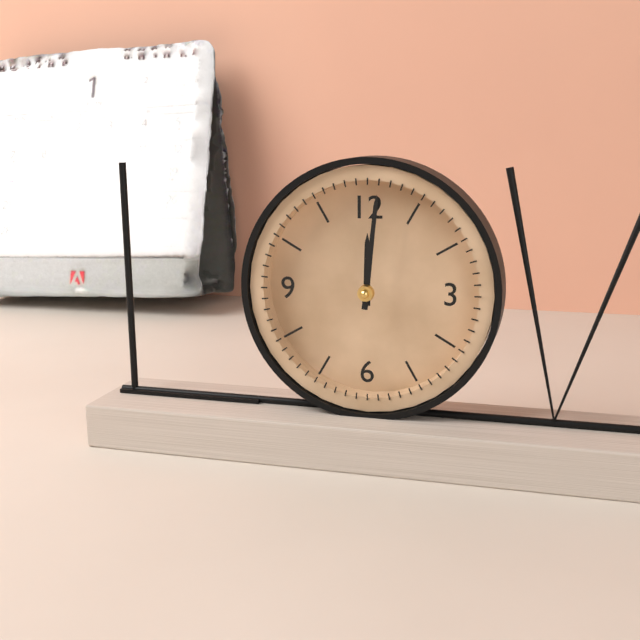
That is 12.01
